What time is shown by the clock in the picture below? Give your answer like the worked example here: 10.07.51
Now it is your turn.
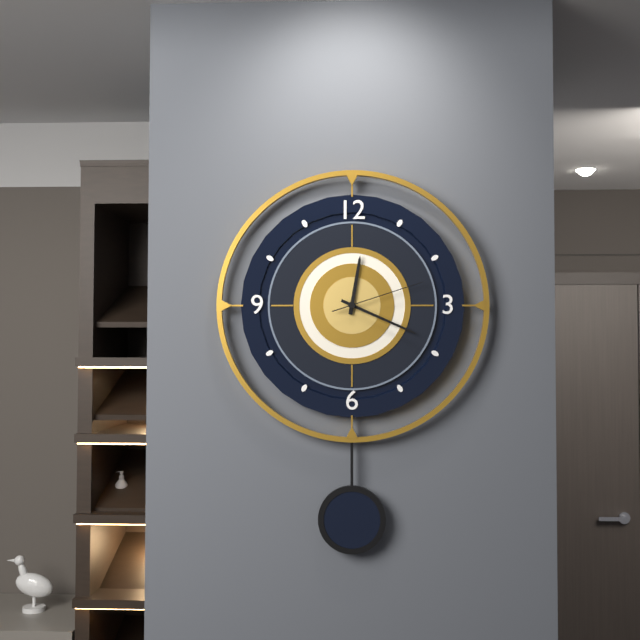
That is 12.19.12
